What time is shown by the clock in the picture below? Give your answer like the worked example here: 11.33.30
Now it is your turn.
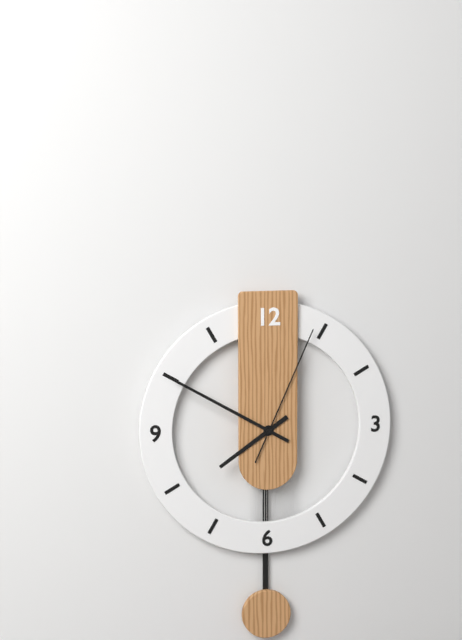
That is 7.50.04
